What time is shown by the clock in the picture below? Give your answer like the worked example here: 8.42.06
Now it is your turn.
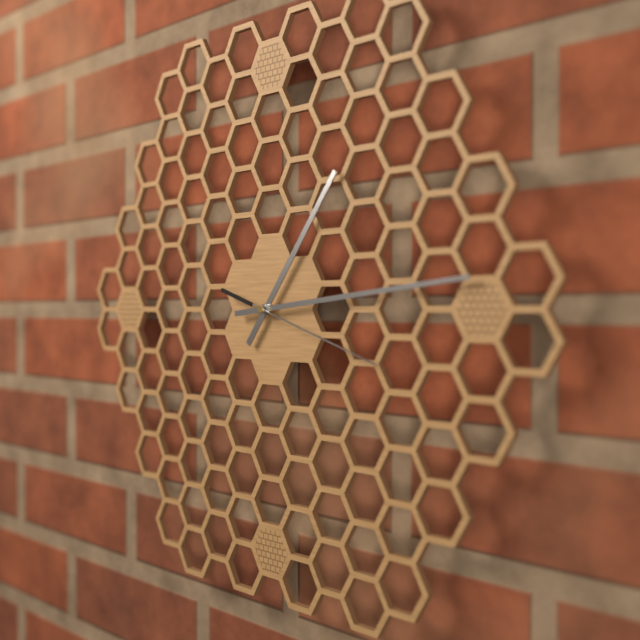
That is 1.14.18
